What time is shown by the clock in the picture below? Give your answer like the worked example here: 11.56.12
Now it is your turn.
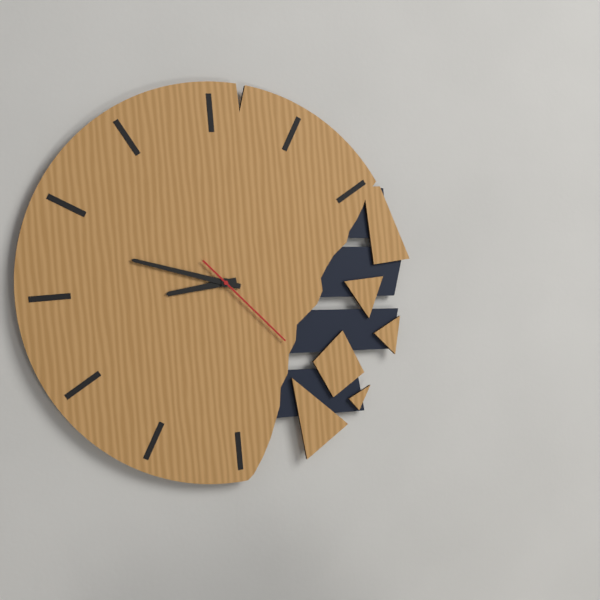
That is 8.48.23
